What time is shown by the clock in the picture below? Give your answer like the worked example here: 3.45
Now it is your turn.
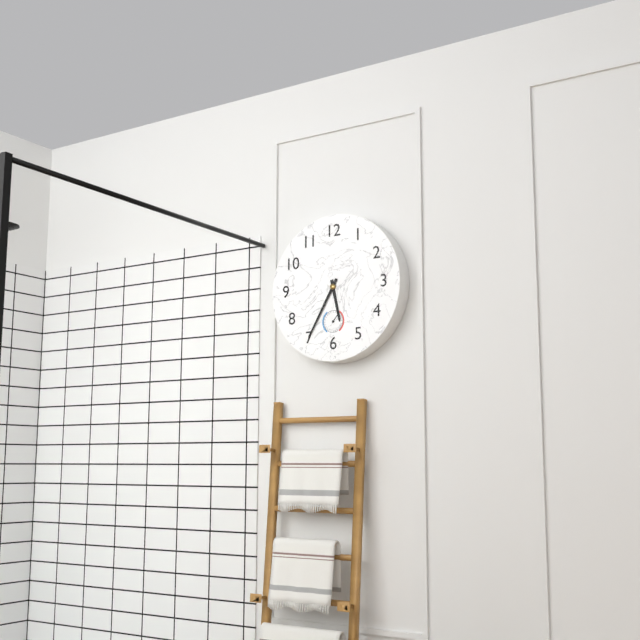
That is 5.35
